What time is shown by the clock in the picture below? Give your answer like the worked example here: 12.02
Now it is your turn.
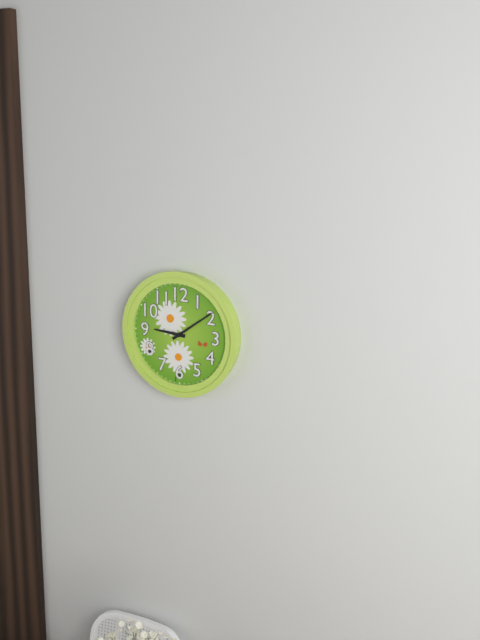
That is 9.09
